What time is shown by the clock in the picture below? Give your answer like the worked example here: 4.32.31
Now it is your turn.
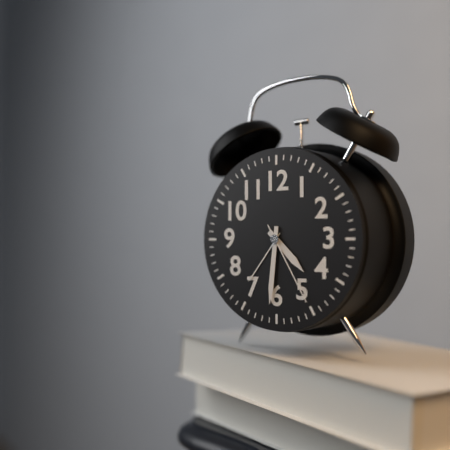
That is 4.31.25
